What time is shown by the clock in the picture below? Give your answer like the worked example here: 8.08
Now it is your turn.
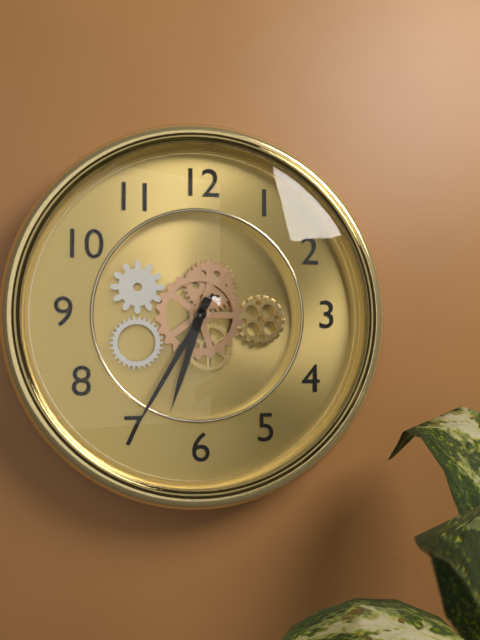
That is 6.35
